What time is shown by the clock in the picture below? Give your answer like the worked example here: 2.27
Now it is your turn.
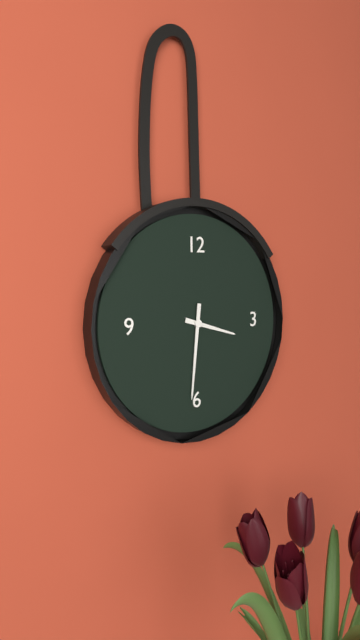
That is 3.31
